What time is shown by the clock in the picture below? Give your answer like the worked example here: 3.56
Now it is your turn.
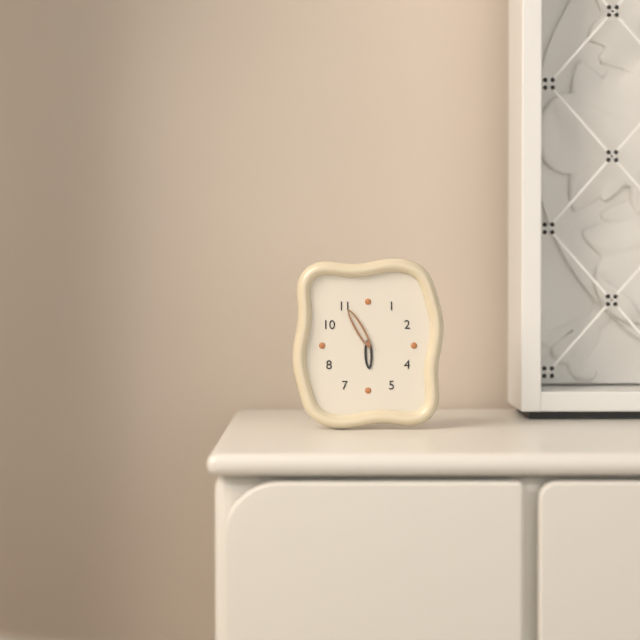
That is 5.55
